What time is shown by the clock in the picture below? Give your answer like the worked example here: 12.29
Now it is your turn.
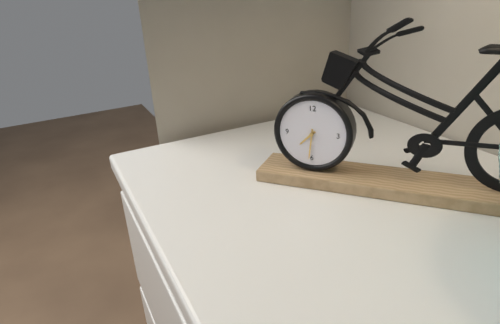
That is 7.31
